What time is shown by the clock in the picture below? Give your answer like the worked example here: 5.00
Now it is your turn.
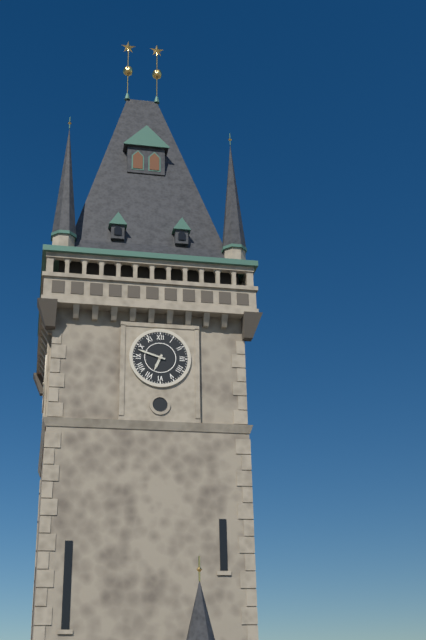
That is 6.48
